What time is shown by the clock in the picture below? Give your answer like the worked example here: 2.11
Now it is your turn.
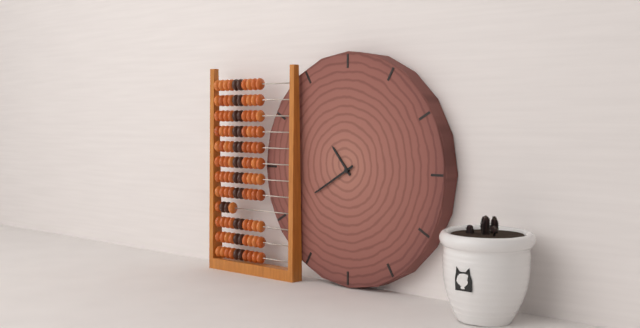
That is 10.40
